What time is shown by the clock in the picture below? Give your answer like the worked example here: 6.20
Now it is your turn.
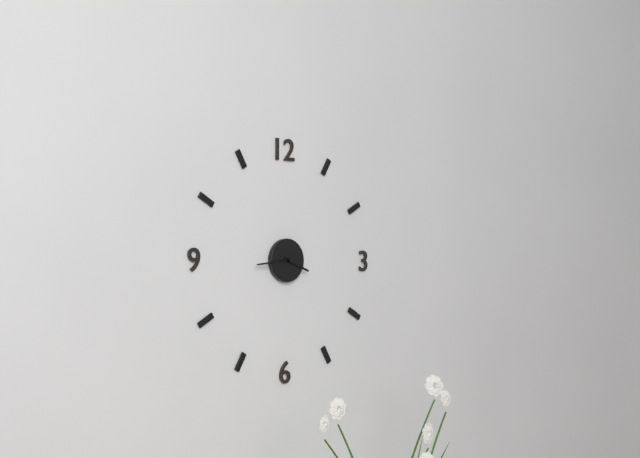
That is 3.44
